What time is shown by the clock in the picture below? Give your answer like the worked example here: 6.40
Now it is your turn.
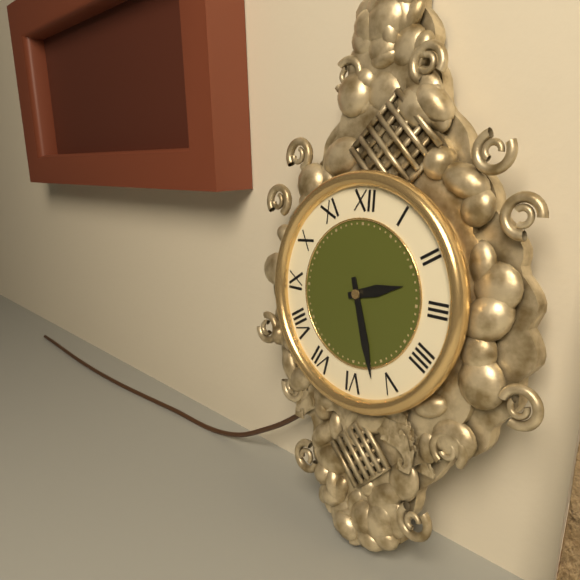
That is 2.27
